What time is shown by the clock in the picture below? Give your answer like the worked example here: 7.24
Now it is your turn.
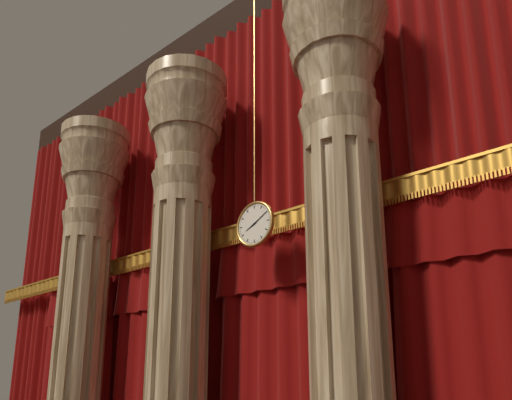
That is 8.10
